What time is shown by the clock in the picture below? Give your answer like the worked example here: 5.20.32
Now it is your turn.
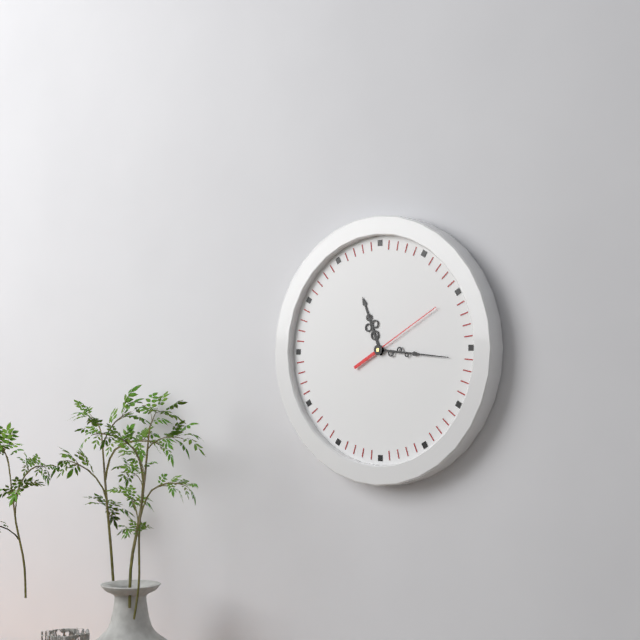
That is 11.16.10
